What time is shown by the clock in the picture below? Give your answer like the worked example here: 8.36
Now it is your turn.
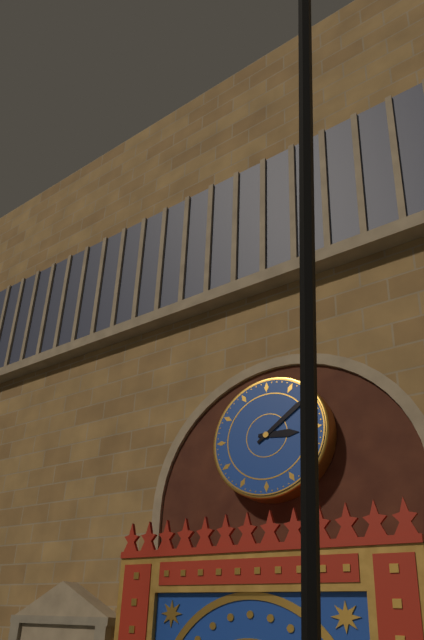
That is 3.09
